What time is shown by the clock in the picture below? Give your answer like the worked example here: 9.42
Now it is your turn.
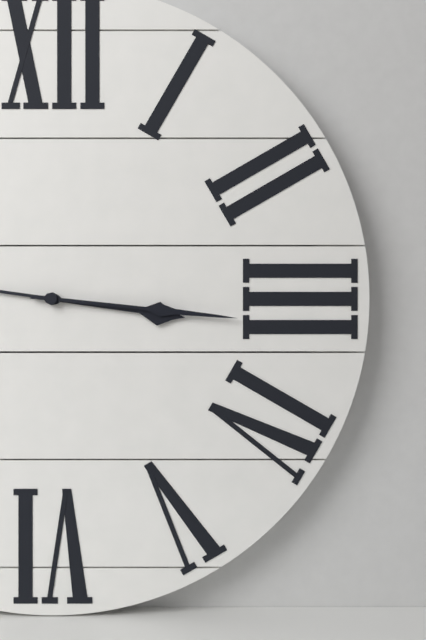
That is 3.16
